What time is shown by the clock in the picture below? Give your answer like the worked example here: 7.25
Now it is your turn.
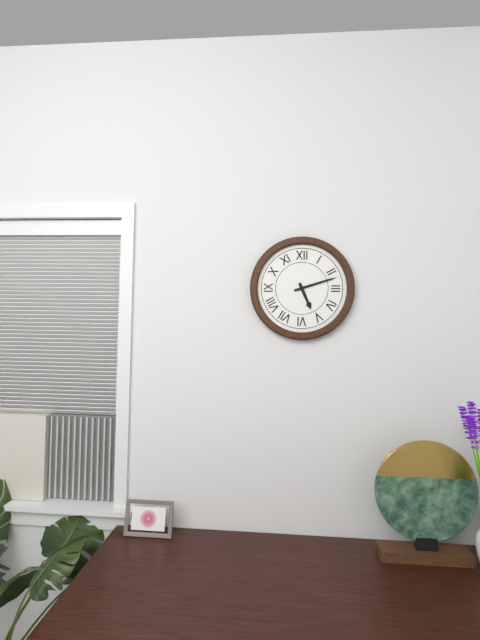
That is 5.12
